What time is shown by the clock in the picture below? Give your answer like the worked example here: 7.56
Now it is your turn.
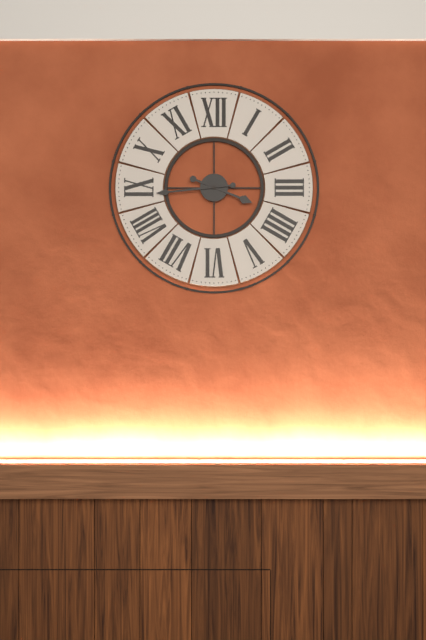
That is 3.44
